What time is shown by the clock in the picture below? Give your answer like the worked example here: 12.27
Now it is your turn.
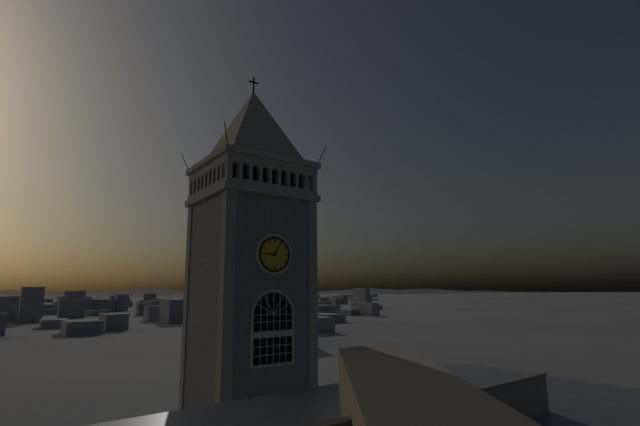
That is 9.05
